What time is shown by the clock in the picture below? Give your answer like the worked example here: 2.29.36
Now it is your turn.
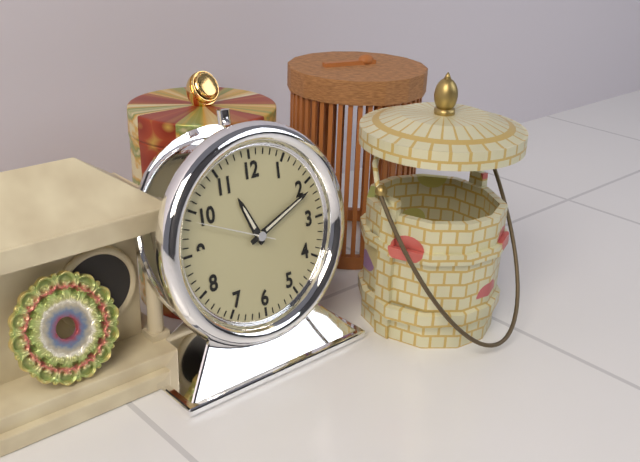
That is 11.11.49
